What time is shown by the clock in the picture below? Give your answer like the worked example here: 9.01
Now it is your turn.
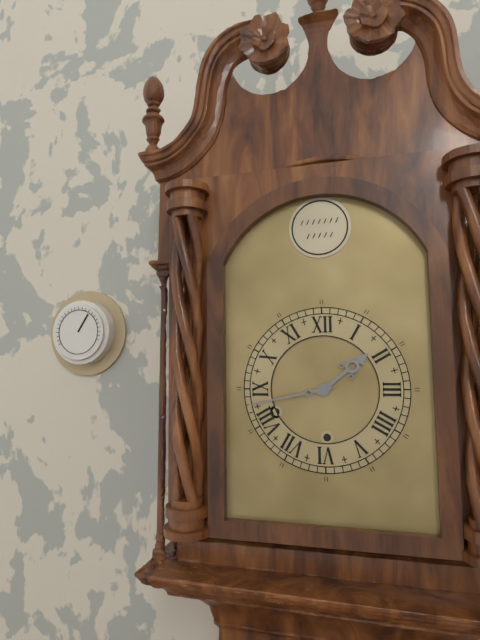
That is 1.43
